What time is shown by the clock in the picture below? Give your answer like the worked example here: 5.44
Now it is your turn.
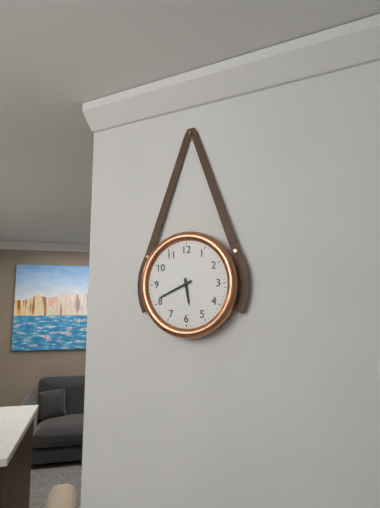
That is 5.41
